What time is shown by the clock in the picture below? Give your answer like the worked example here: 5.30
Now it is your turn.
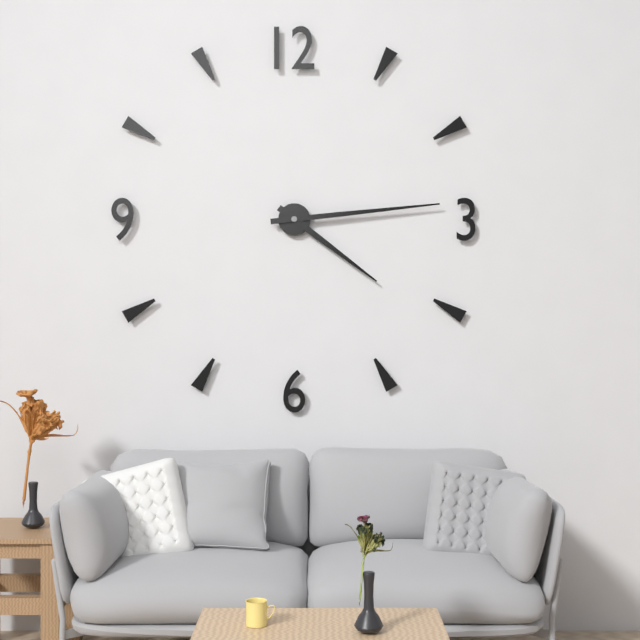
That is 4.14
